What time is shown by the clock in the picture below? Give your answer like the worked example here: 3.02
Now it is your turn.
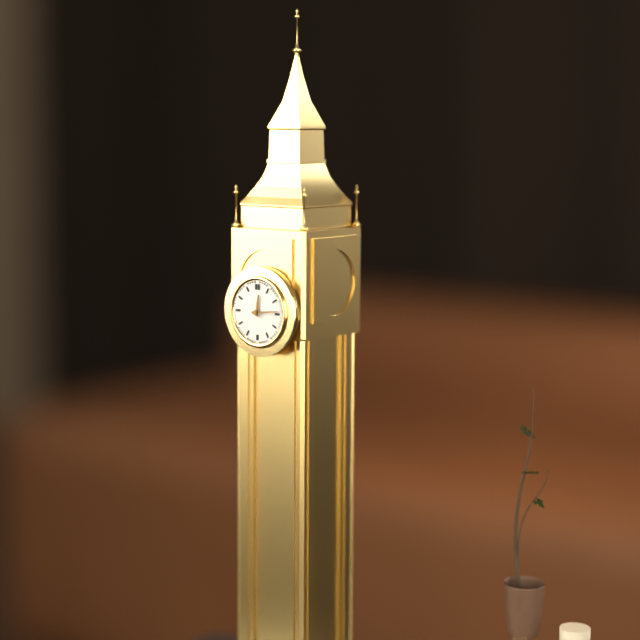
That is 12.14
